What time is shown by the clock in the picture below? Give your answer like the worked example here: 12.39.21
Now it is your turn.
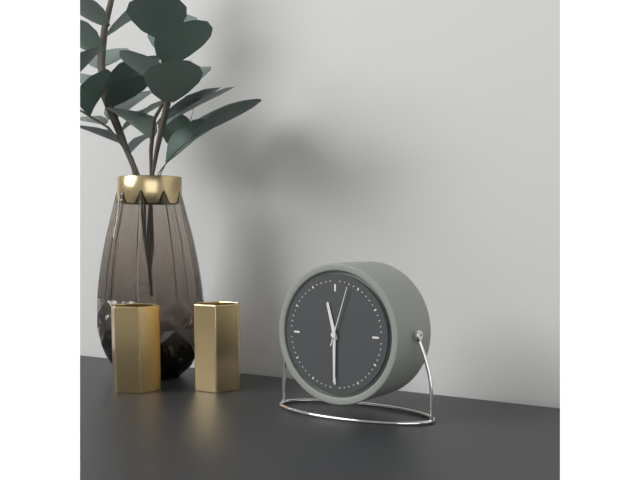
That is 11.30.03
